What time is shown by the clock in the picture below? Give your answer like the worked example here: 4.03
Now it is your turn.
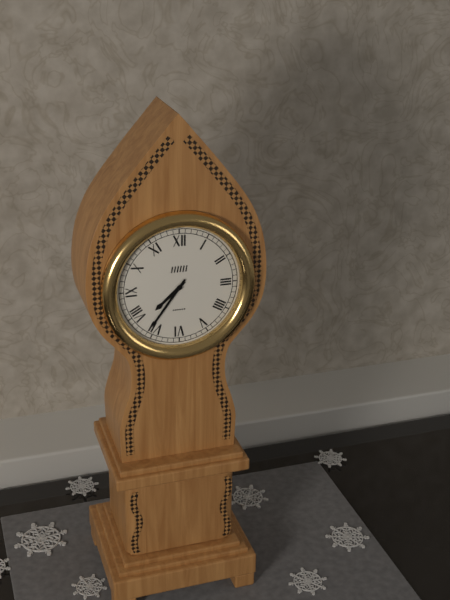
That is 7.36
